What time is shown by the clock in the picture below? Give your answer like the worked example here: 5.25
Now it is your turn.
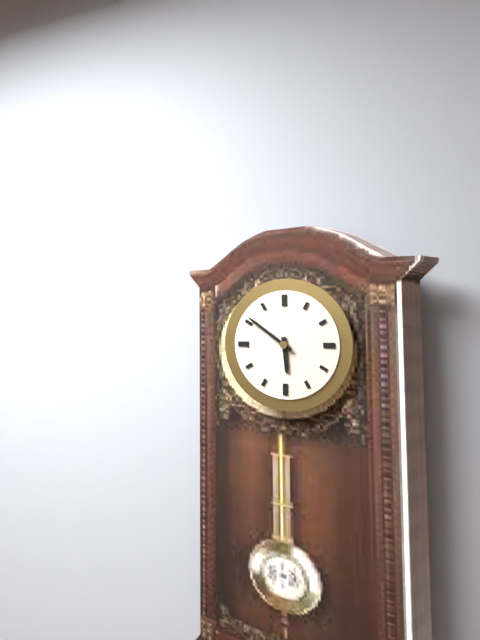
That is 5.51
